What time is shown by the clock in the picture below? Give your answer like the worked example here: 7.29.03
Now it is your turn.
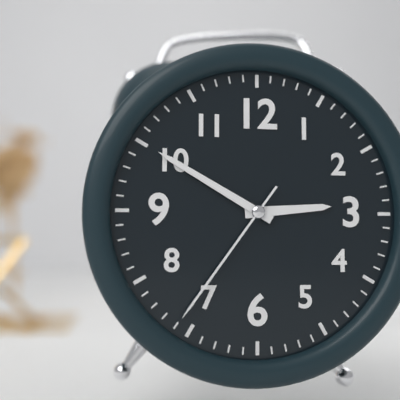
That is 2.50.36
